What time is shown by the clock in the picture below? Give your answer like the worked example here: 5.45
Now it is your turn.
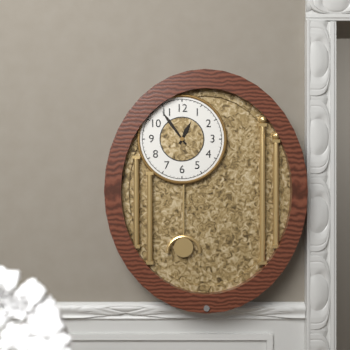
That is 12.54
